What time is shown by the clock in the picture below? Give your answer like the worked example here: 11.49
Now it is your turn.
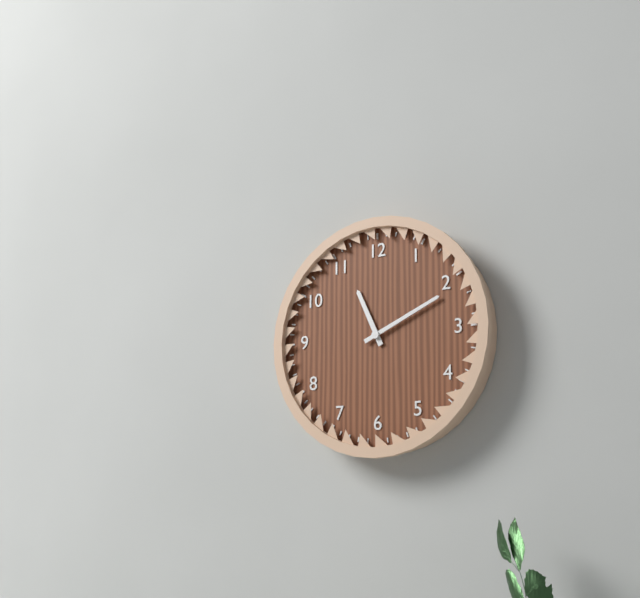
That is 11.11
